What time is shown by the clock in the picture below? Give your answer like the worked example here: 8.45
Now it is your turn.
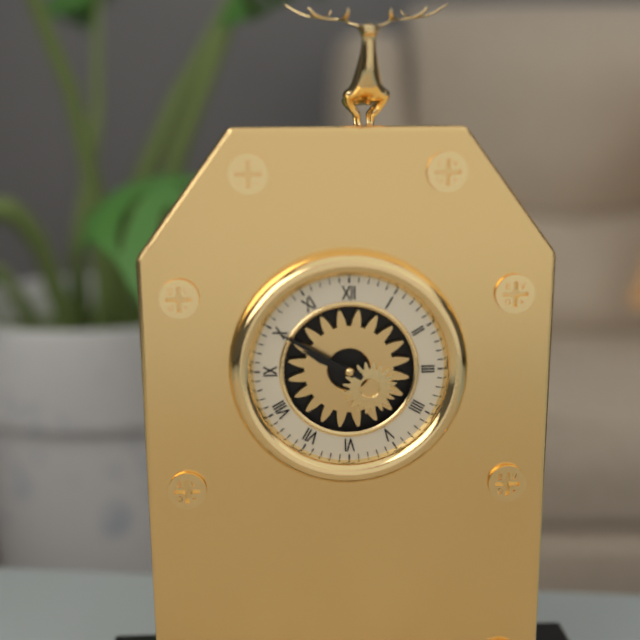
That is 9.50
